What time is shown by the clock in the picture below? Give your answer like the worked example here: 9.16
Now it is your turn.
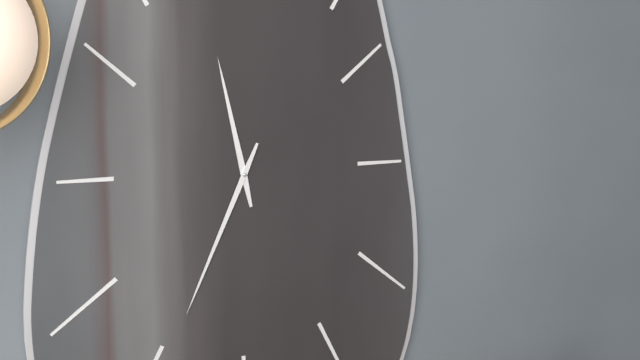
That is 11.34
